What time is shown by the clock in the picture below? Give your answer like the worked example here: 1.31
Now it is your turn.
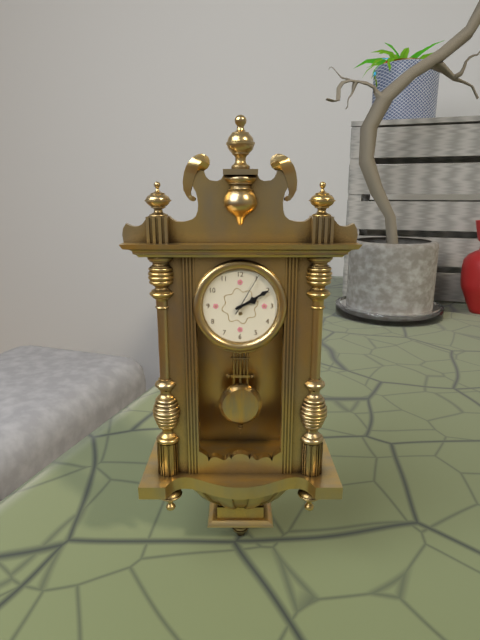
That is 2.10
